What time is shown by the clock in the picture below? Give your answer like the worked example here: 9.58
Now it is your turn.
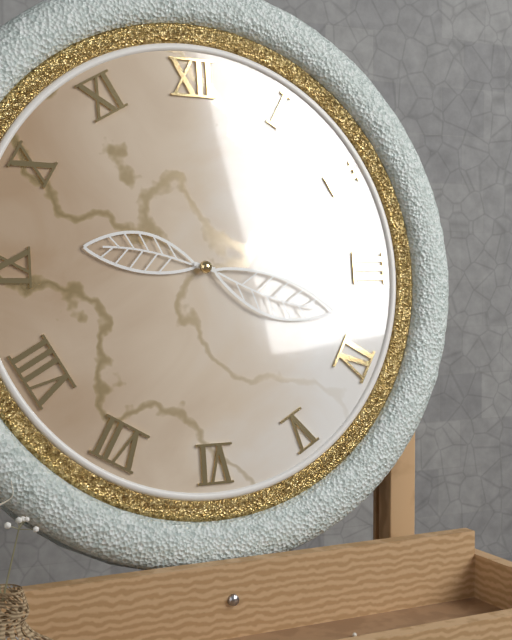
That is 9.18
